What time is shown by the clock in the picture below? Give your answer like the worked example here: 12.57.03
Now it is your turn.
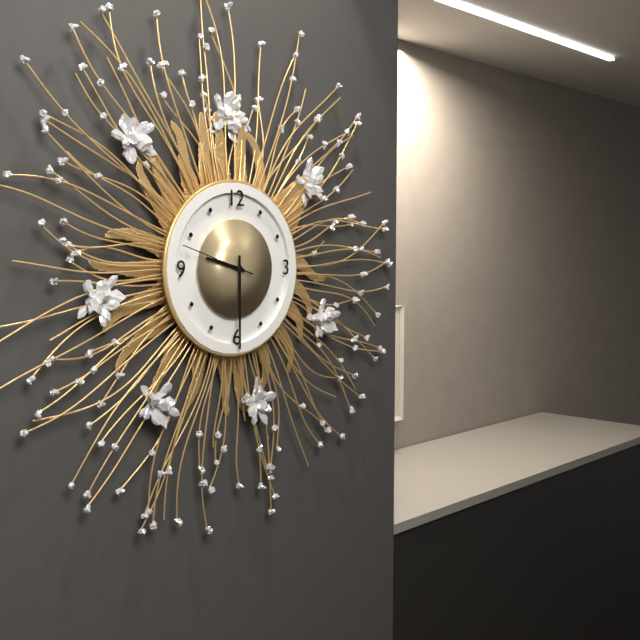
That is 9.30.48
